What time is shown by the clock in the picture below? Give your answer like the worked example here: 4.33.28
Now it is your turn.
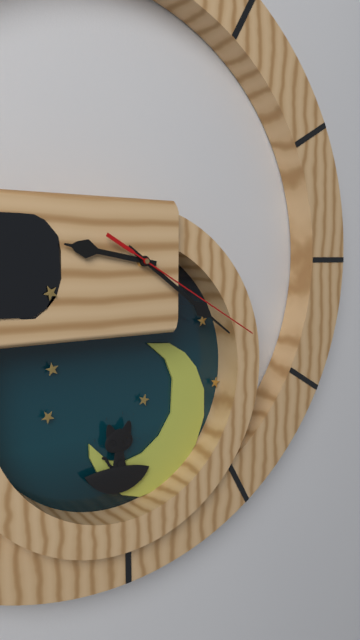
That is 9.21.20
